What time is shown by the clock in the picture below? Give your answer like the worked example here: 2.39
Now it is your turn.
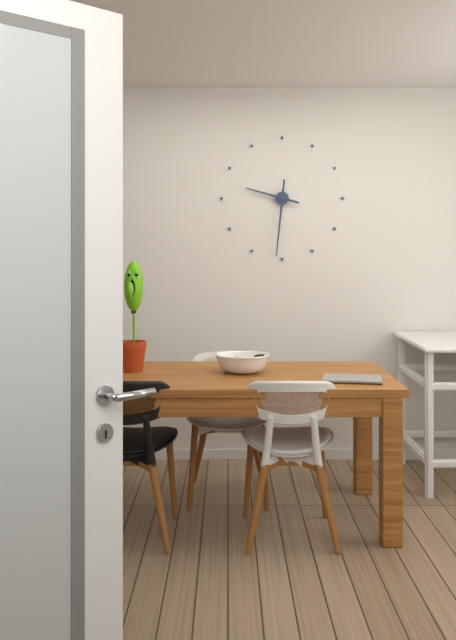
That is 9.31
